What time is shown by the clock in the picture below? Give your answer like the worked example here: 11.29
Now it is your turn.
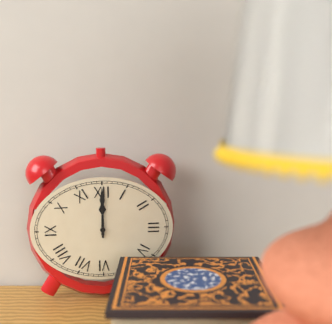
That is 12.00
